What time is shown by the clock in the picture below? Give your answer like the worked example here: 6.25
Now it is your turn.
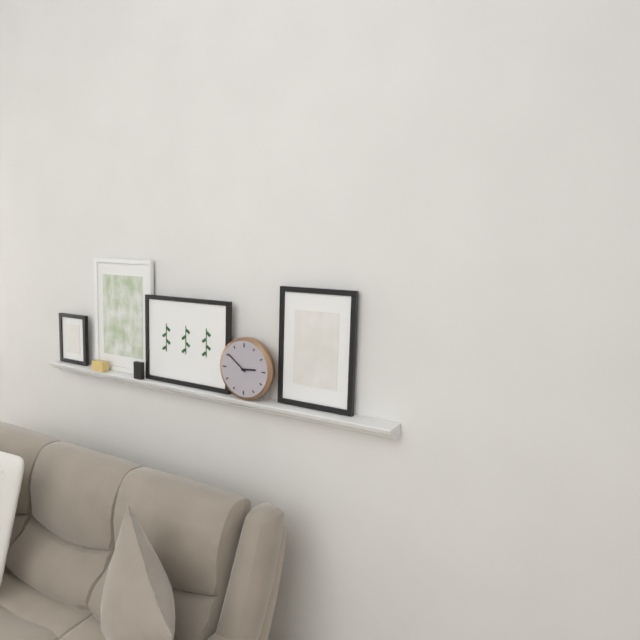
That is 2.51
